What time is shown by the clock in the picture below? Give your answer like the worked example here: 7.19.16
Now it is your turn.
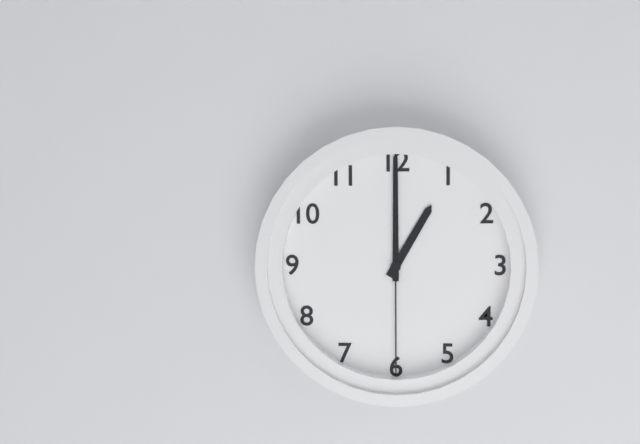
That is 1.00.30
